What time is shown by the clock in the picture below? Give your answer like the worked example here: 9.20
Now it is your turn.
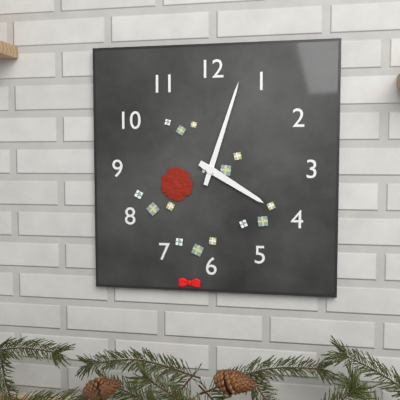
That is 4.03
